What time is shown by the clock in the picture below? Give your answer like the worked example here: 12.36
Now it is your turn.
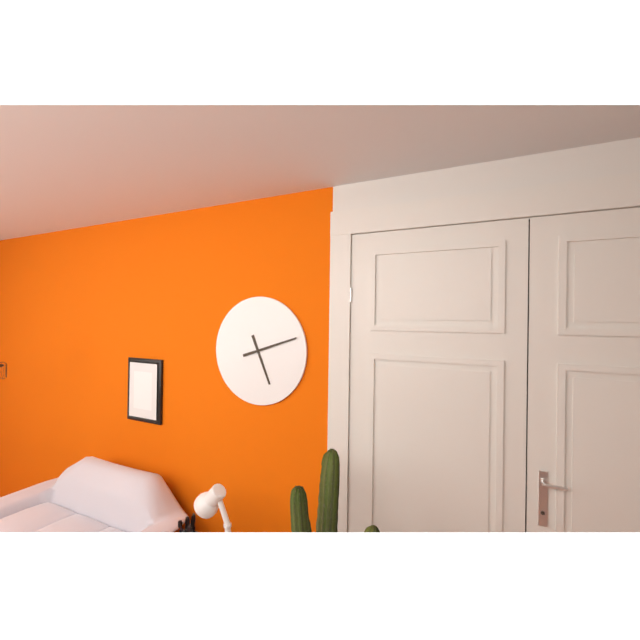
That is 5.12
